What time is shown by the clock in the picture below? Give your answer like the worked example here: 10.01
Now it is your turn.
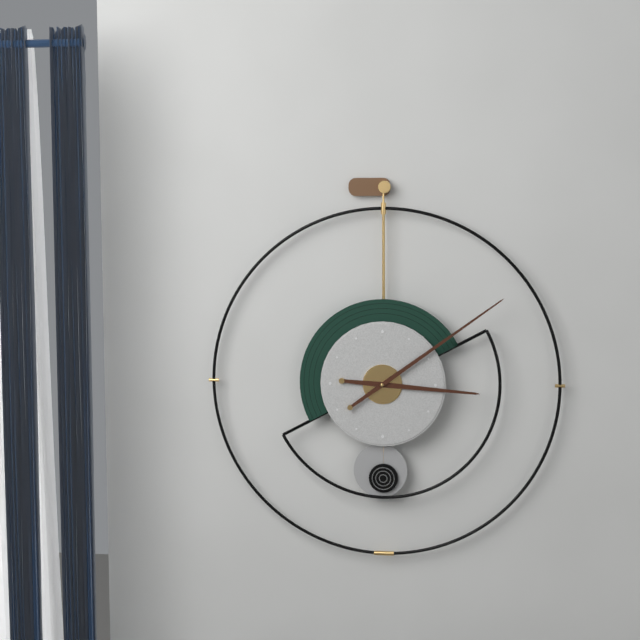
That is 3.09
